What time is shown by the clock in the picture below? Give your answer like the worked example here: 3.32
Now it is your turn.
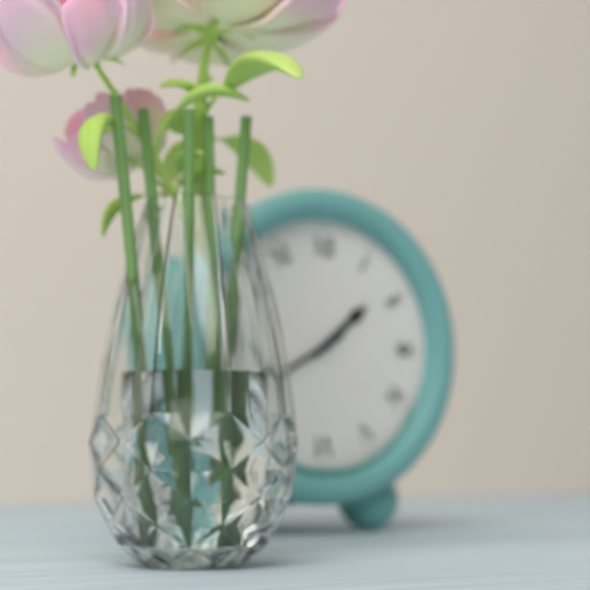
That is 1.40
